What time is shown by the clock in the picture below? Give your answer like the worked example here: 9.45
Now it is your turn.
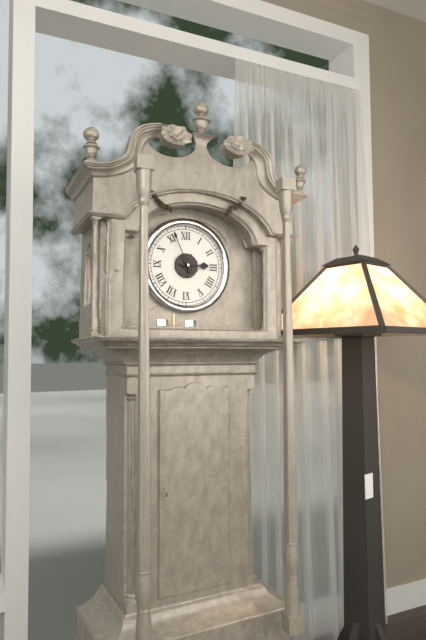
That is 2.56
